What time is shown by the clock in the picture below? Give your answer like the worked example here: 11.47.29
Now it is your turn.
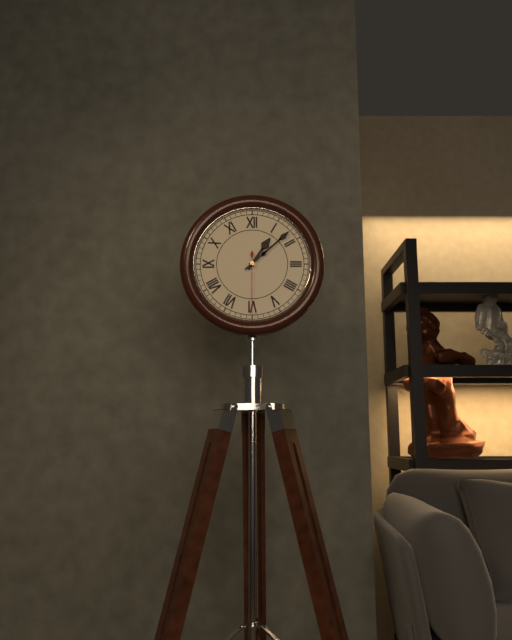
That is 1.08.30
